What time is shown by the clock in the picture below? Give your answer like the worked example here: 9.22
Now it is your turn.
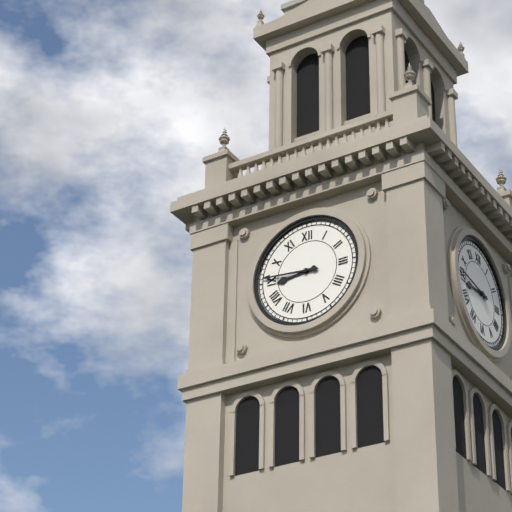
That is 8.46
